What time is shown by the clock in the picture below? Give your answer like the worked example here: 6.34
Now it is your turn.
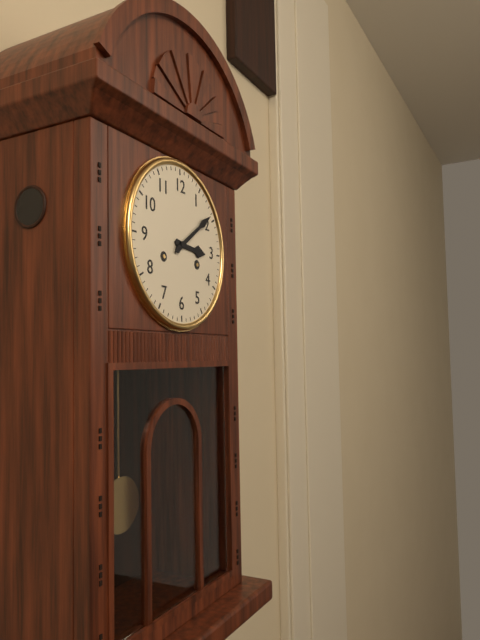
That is 3.09
